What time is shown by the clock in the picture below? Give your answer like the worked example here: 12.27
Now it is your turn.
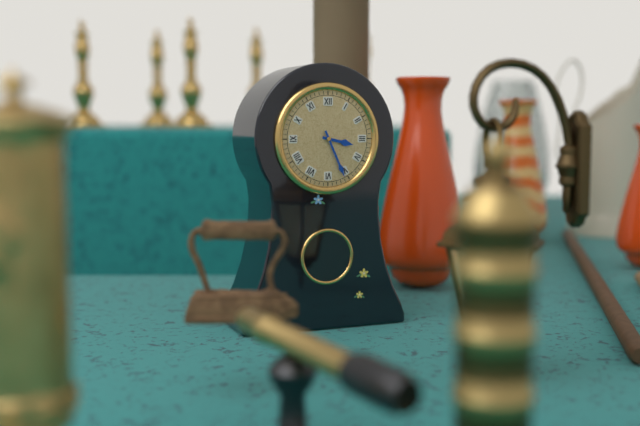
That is 3.26
